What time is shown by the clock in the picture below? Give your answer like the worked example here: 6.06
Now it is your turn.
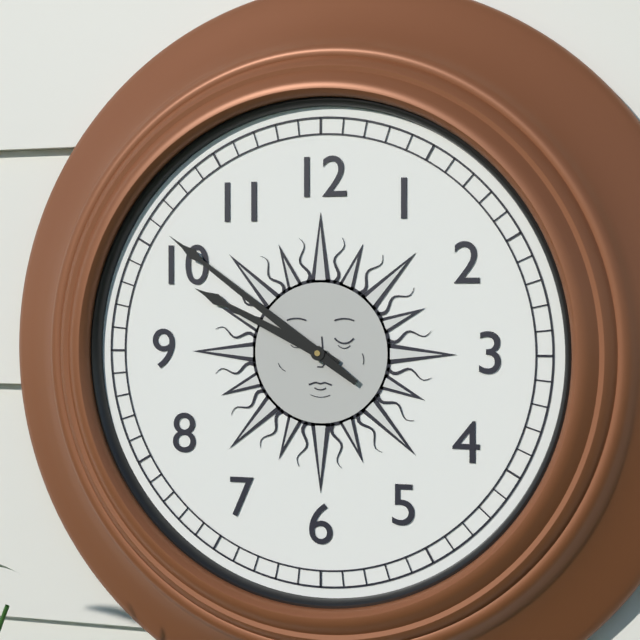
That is 9.51
